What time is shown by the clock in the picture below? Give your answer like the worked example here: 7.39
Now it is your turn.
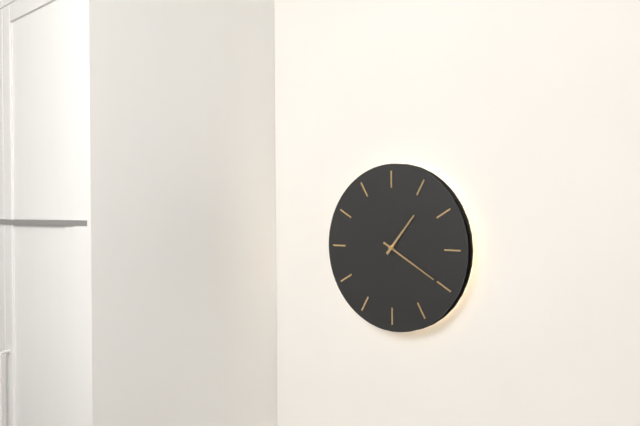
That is 1.20
